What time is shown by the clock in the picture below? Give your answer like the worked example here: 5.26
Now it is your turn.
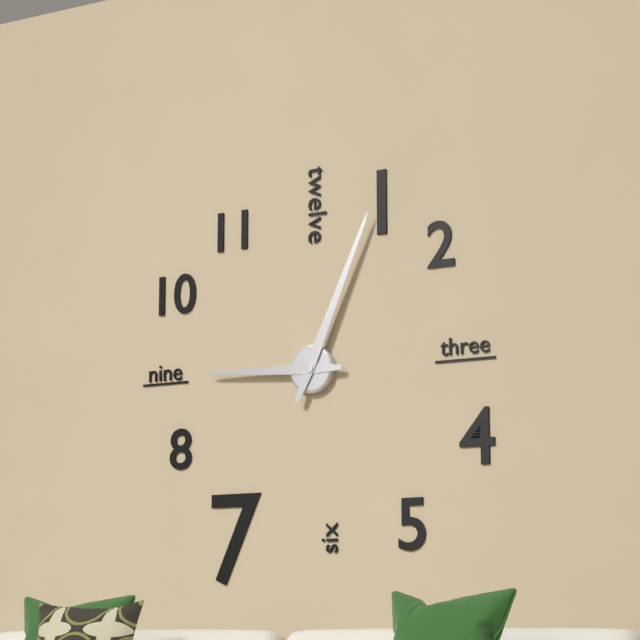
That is 9.04
